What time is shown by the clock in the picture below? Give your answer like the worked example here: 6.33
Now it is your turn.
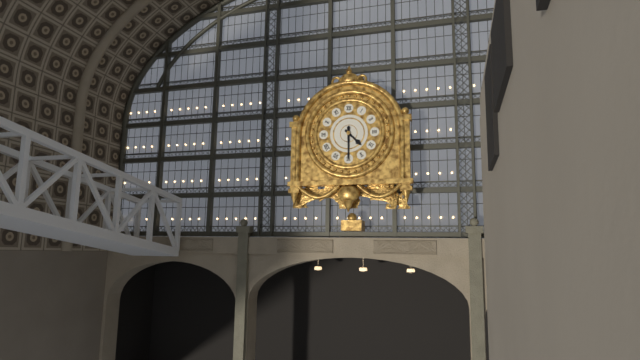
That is 4.30
